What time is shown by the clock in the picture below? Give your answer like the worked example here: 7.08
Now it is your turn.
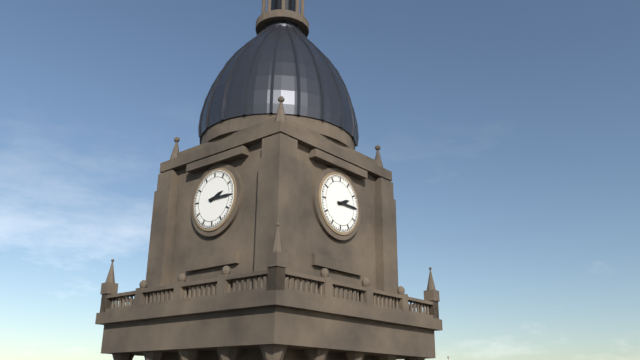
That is 2.15
